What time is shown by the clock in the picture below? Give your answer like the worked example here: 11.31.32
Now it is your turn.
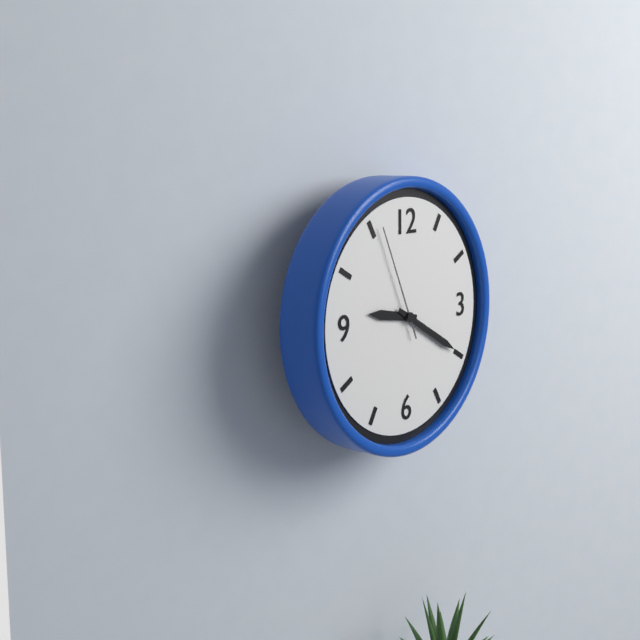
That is 9.20.56
